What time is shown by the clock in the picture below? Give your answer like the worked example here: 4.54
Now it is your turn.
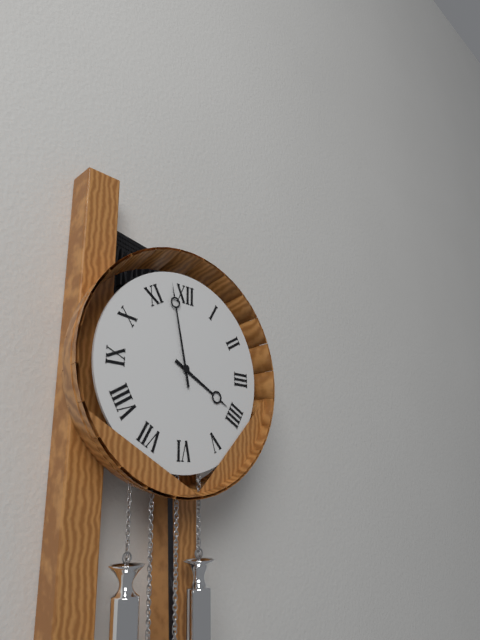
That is 3.58
